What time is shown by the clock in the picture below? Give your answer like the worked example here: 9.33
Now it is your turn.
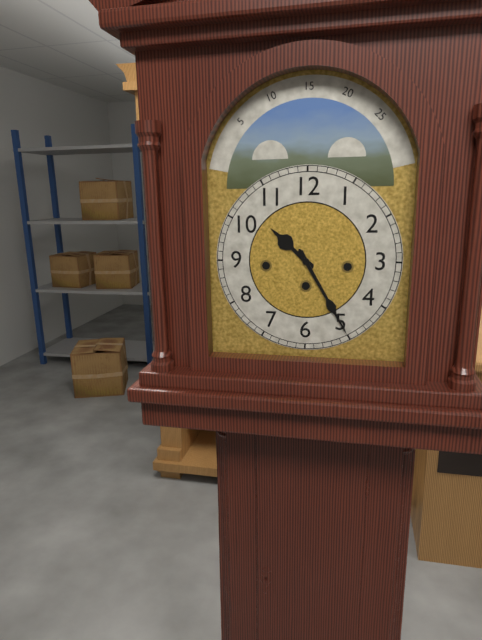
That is 10.25
